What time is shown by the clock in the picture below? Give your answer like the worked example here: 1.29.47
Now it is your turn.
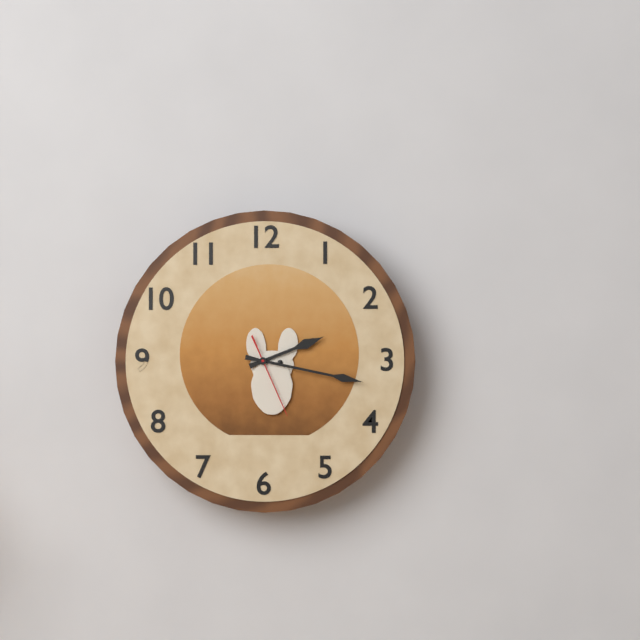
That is 2.17.26
